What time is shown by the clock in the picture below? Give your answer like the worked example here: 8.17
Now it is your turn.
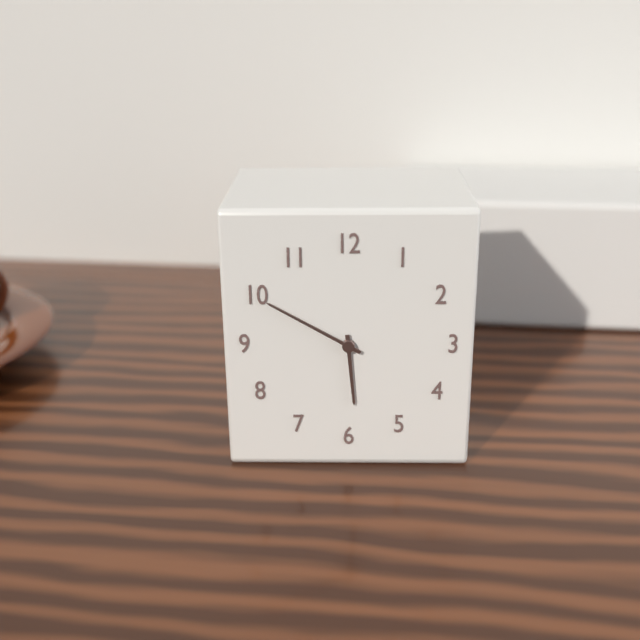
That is 5.50
